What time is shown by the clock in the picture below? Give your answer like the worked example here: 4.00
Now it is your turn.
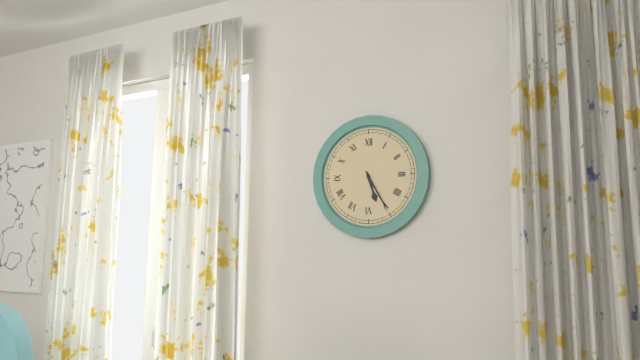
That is 5.25
